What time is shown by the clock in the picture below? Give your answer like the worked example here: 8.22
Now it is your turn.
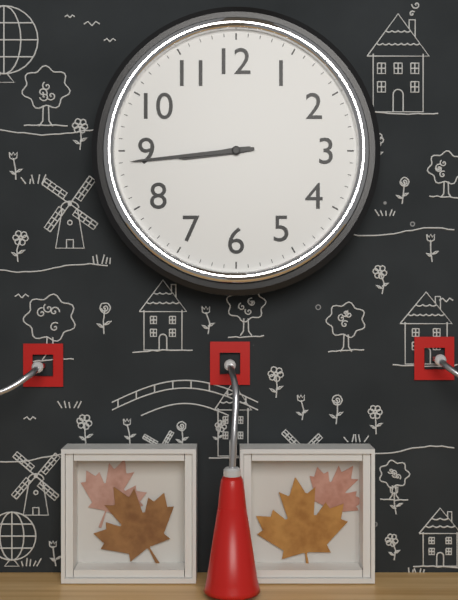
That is 8.44
